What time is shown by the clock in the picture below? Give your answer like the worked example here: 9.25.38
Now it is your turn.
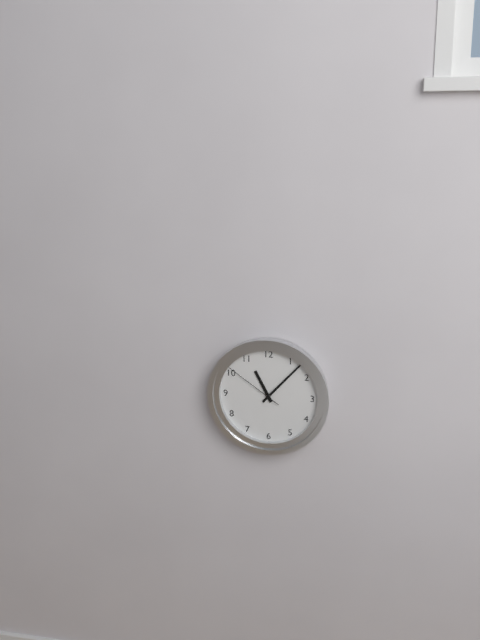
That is 11.07.51
